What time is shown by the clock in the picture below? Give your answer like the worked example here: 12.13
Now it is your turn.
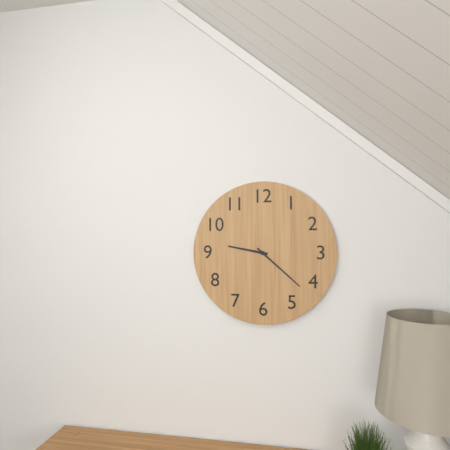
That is 9.22
